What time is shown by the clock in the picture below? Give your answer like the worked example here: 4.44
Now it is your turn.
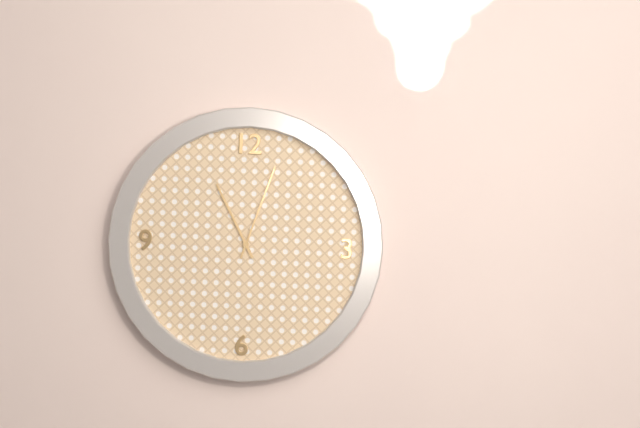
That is 11.03
